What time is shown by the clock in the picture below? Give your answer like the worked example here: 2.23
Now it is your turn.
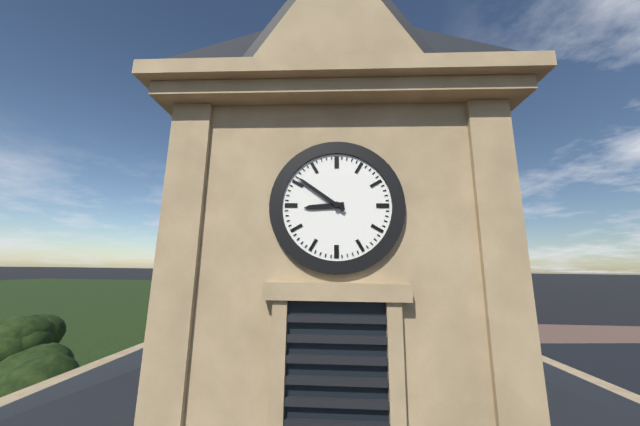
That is 8.51
